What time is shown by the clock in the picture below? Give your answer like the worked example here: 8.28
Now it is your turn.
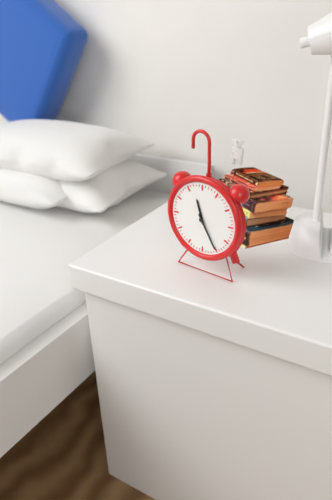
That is 11.25
